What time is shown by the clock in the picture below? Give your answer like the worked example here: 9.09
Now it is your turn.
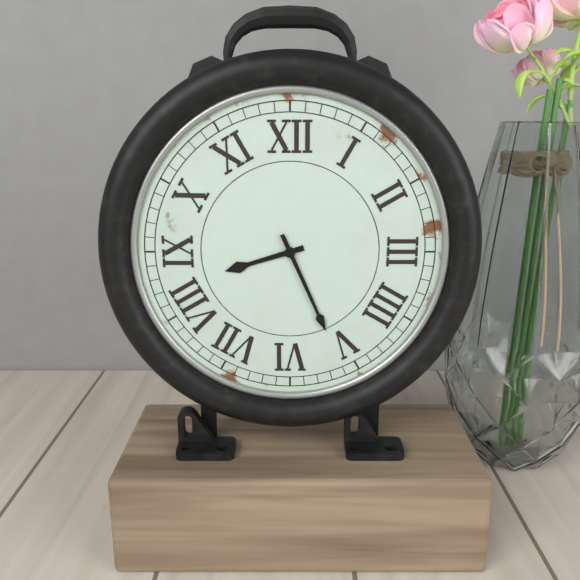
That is 8.26
